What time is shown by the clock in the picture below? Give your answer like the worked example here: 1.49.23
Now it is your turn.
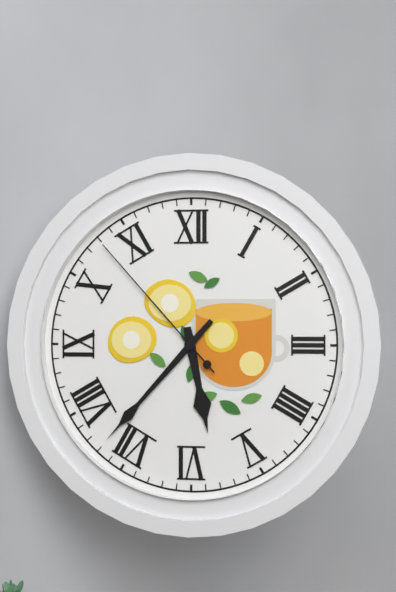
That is 5.37.53
